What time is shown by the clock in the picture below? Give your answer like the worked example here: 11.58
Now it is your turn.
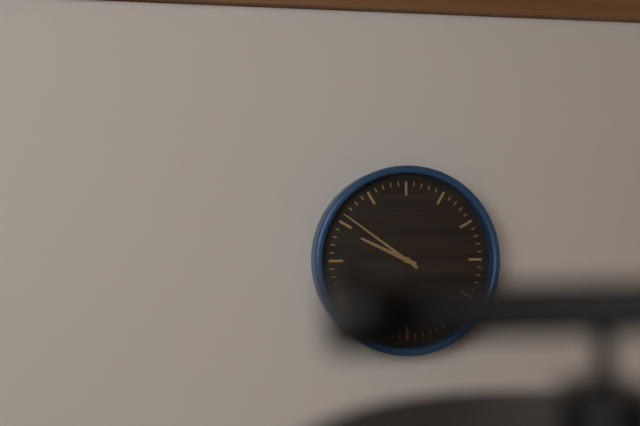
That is 9.51
